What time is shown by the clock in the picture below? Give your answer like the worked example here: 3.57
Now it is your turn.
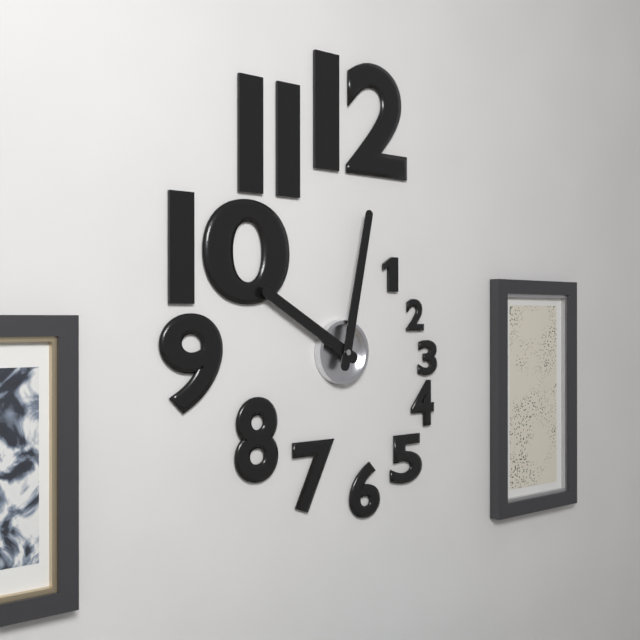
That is 10.02
